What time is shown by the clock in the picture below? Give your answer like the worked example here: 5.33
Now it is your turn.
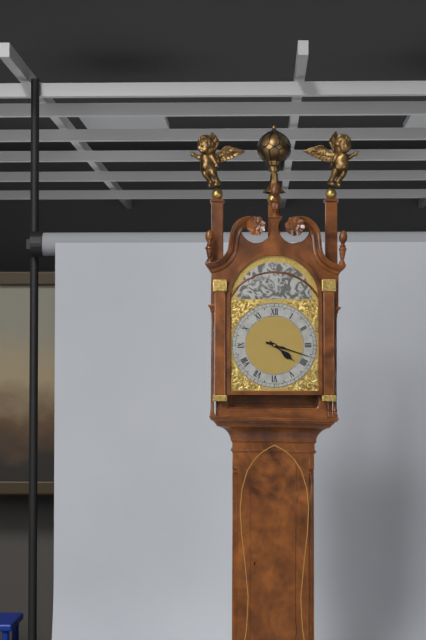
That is 4.18
